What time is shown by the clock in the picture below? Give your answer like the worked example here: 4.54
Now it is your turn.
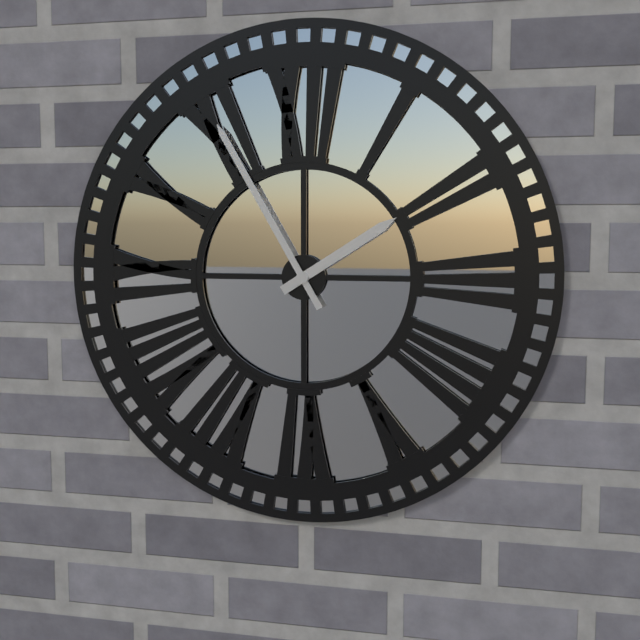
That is 1.55
